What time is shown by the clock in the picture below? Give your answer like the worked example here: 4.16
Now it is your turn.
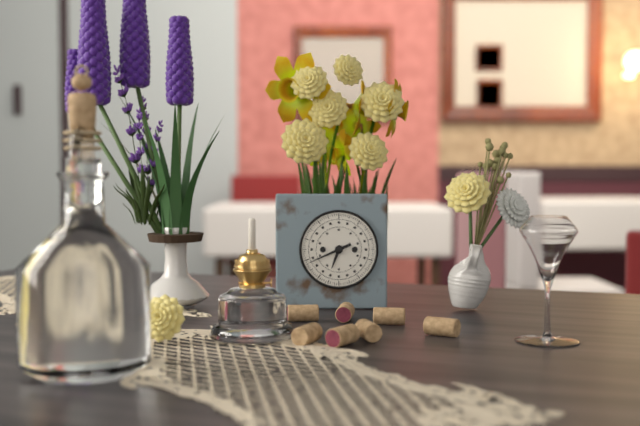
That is 6.41
